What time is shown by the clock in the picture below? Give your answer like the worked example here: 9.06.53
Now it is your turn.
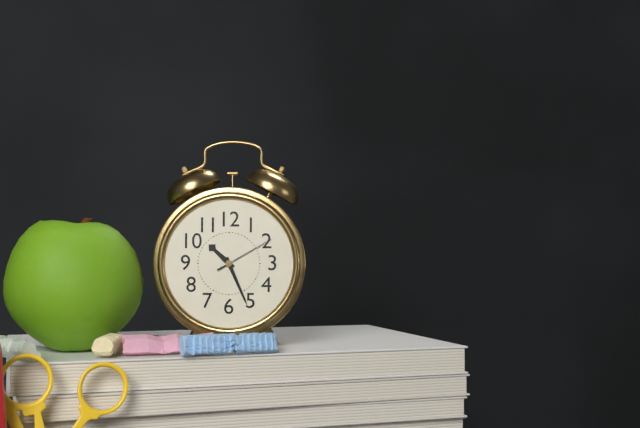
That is 10.26.10
